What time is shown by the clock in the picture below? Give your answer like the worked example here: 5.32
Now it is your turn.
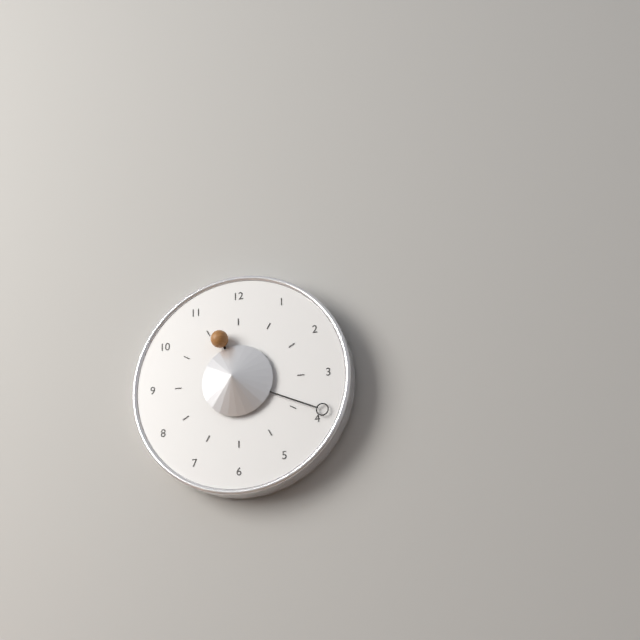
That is 11.19
